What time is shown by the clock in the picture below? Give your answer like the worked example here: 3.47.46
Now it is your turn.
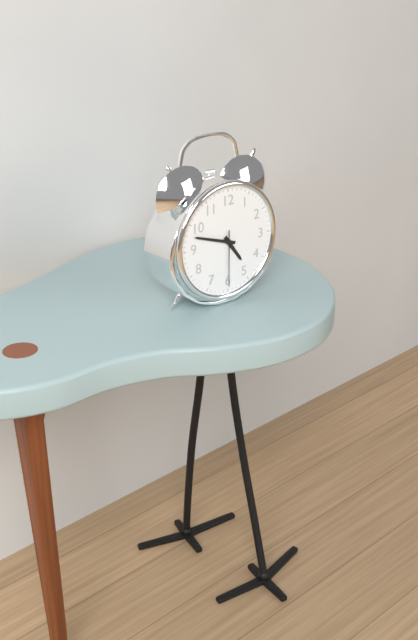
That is 4.48.30
